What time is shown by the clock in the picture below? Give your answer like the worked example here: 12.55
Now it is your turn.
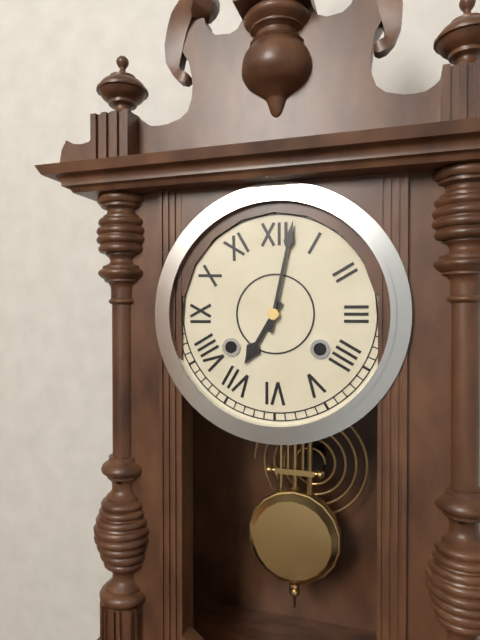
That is 7.02
